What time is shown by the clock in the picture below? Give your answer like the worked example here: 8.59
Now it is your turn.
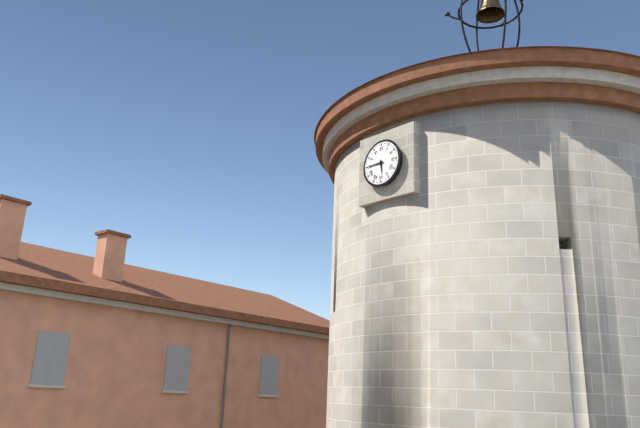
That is 5.45
